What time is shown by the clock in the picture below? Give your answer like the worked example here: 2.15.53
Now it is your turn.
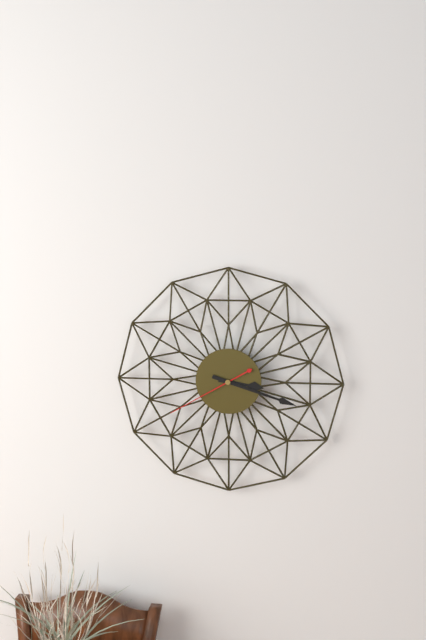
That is 3.18.40
